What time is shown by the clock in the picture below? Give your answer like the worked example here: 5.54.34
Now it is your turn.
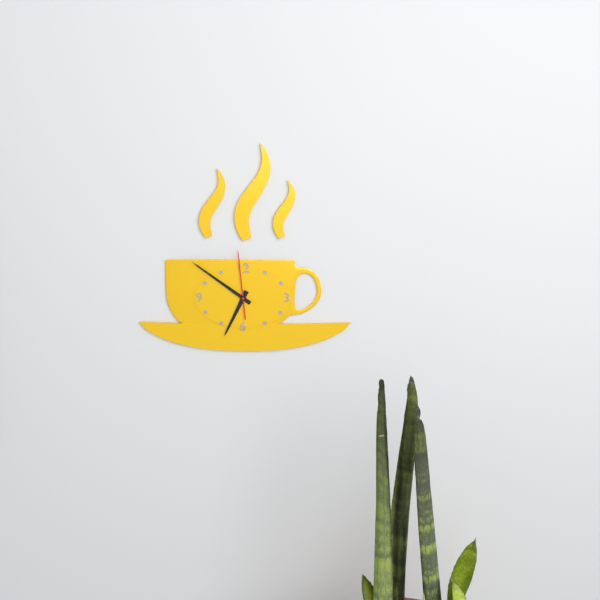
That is 6.51.59
